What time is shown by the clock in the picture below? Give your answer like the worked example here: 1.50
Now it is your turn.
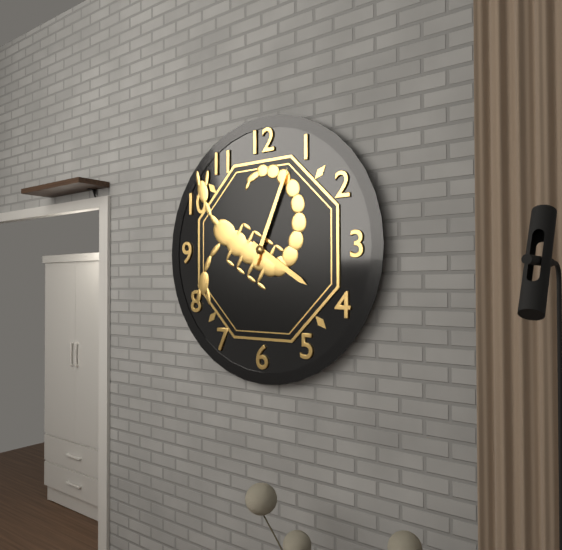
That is 4.04
